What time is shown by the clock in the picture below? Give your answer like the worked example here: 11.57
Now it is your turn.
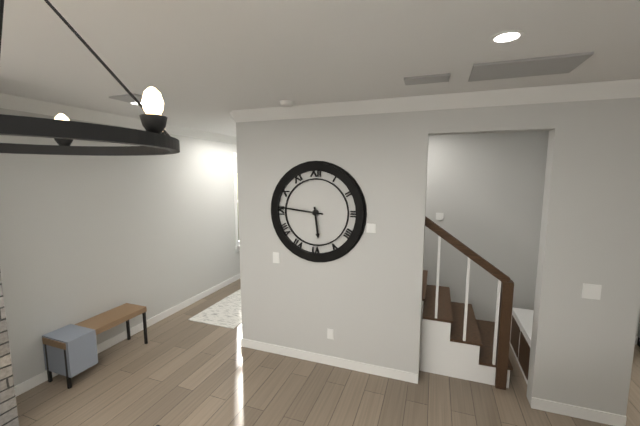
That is 5.46
